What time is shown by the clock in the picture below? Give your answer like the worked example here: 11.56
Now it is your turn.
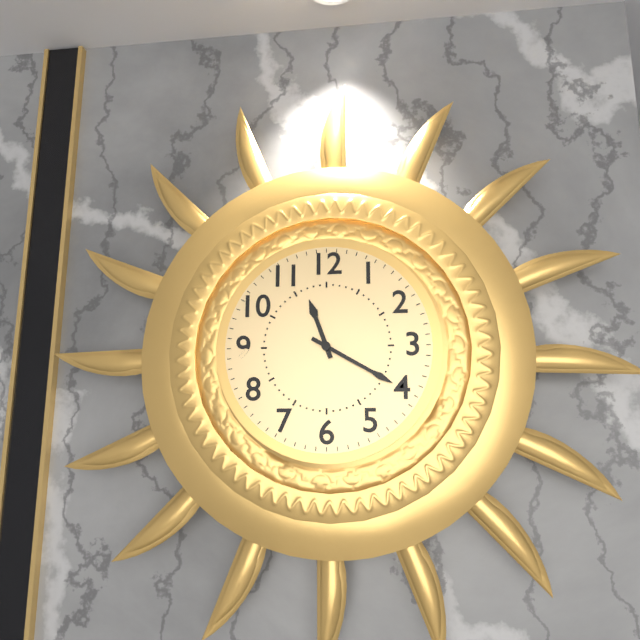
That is 11.20
